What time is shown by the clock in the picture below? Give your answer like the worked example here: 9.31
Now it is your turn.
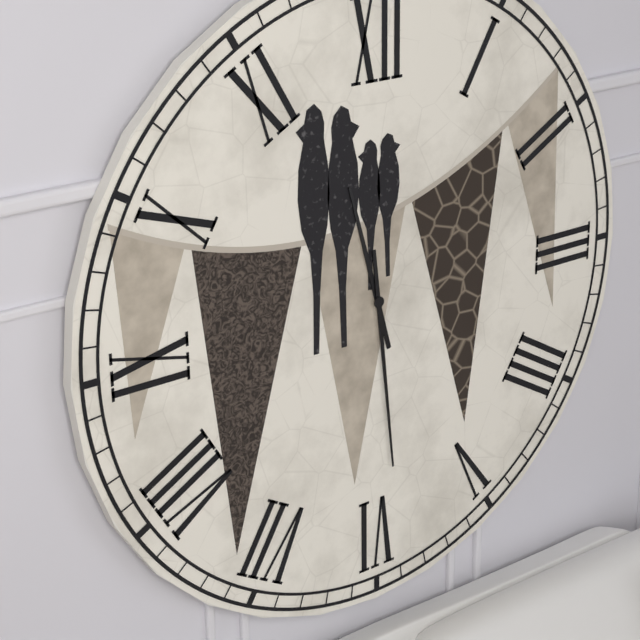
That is 11.29
